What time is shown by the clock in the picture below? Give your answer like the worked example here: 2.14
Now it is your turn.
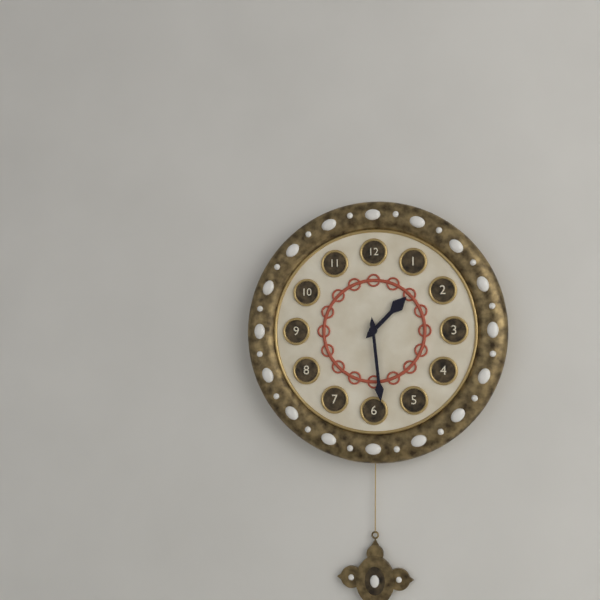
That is 1.29
